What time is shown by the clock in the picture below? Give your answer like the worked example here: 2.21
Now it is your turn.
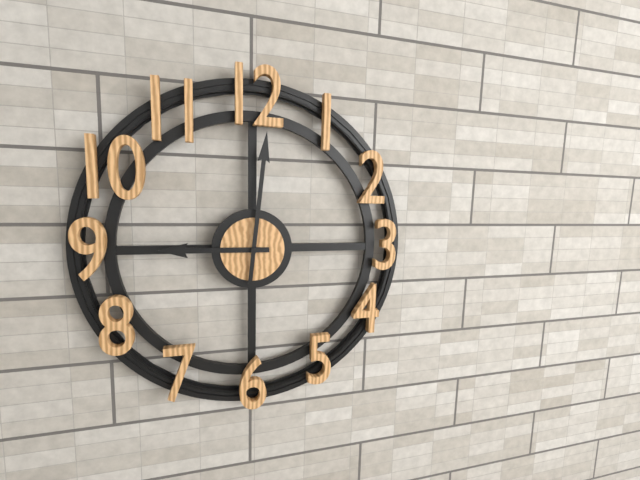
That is 9.01
